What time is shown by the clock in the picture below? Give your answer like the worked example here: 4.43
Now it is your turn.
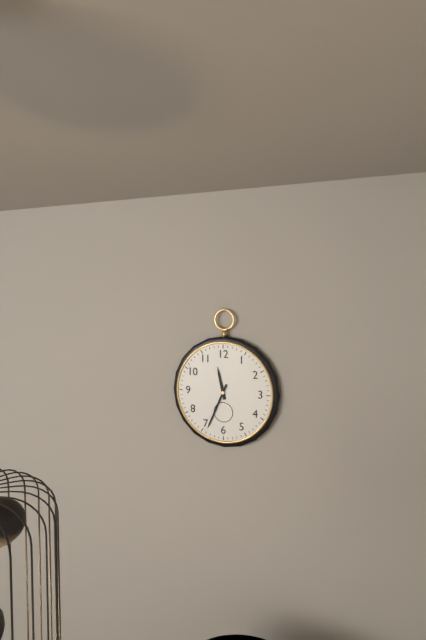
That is 11.34
